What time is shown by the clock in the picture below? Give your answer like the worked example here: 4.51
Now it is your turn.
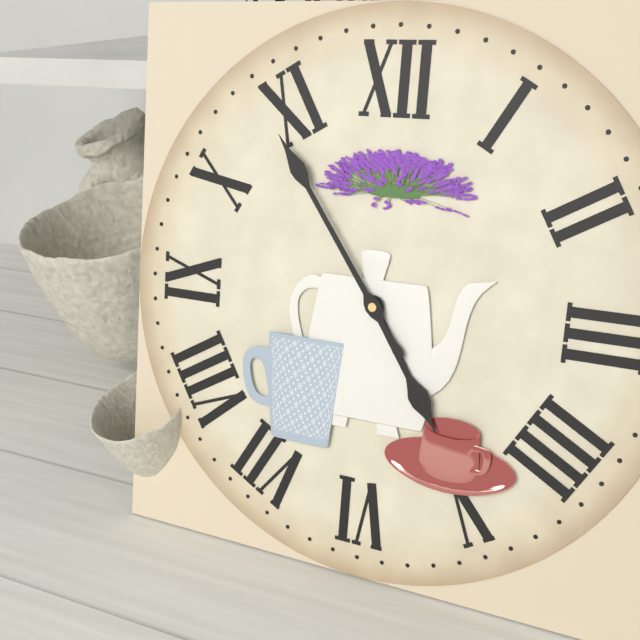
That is 4.54
